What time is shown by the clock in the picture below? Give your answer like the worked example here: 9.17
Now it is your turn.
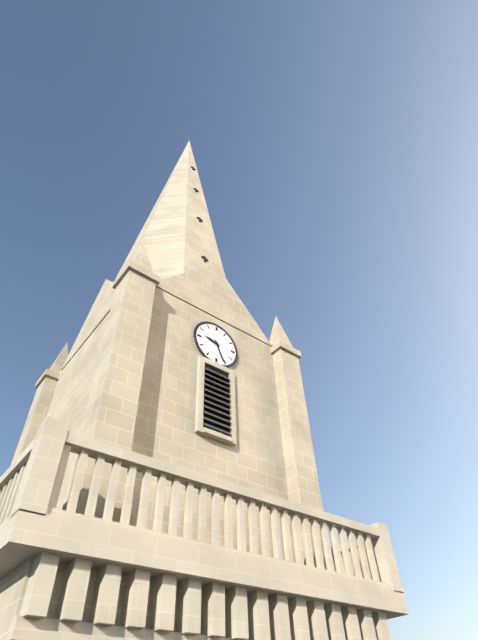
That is 9.26
